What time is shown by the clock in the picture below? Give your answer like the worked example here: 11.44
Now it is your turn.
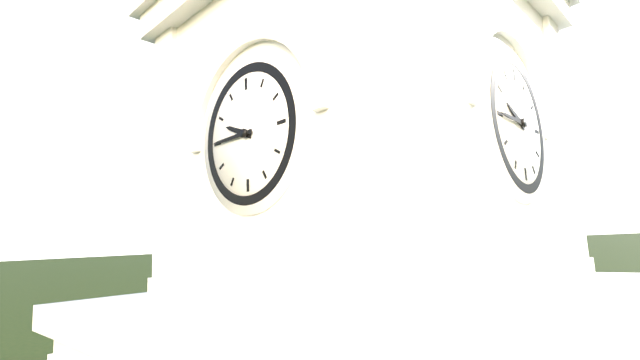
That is 9.45
